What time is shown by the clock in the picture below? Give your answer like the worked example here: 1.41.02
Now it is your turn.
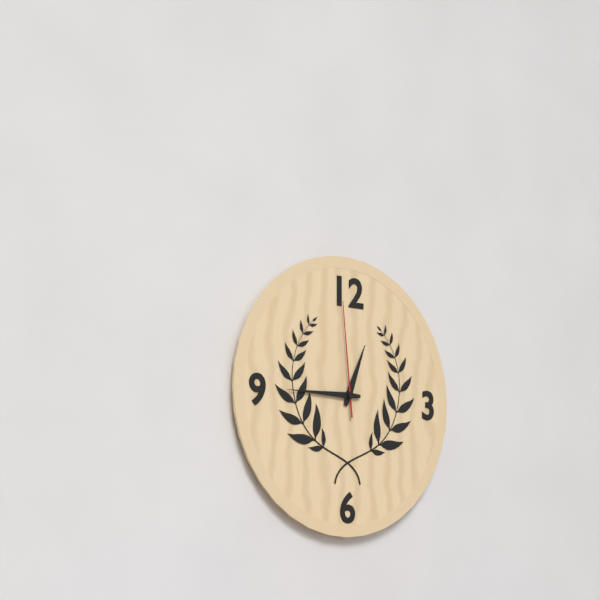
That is 12.45.59
